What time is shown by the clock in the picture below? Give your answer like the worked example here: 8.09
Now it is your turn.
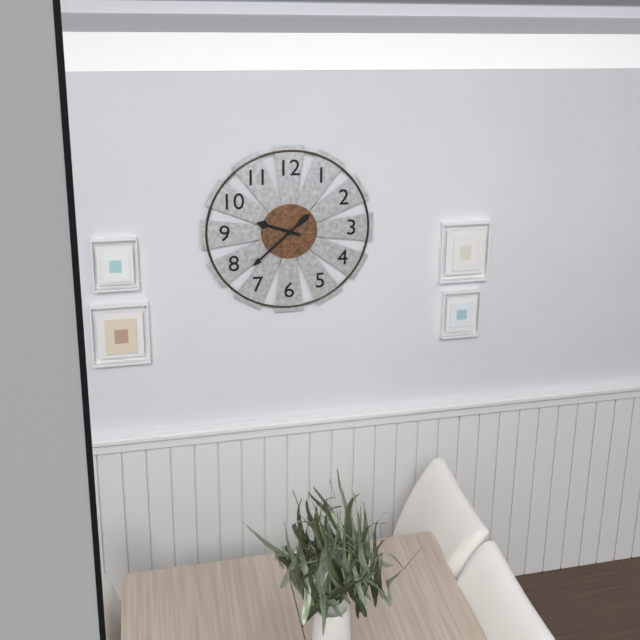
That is 9.38
